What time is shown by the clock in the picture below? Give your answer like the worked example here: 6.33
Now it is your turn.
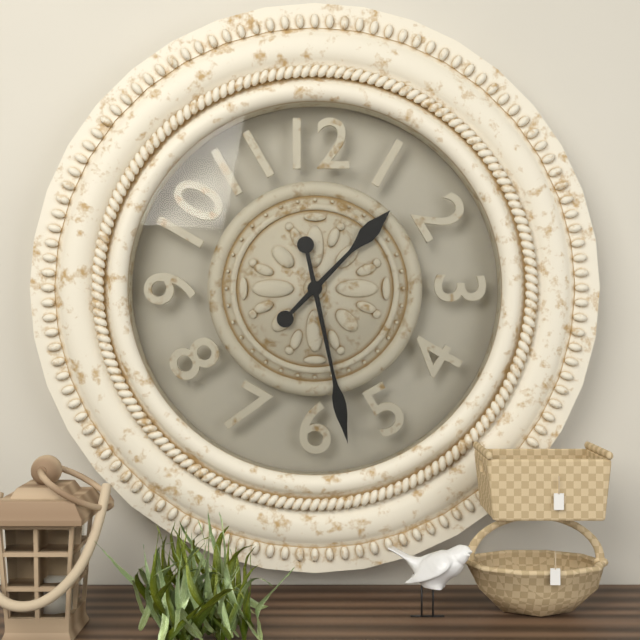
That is 1.28
